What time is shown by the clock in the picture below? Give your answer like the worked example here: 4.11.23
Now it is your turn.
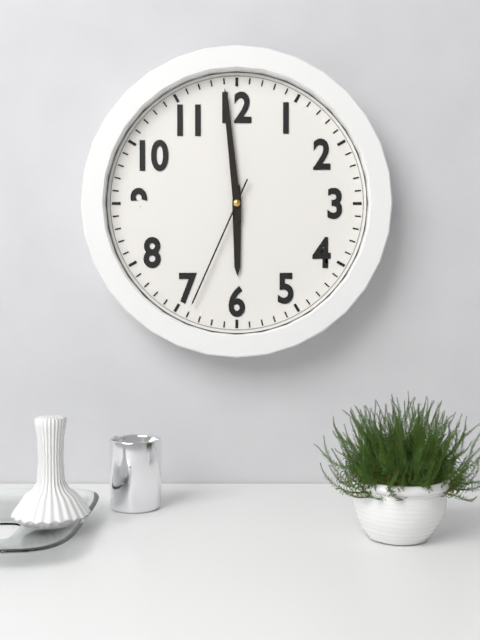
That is 5.59.34
